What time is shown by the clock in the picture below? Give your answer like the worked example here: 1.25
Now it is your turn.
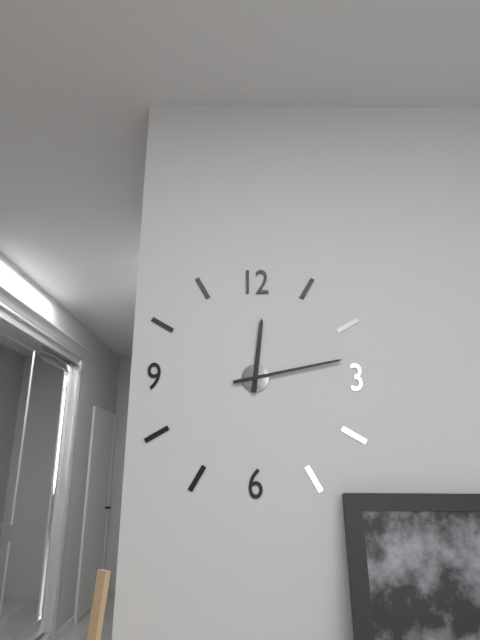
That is 12.13
